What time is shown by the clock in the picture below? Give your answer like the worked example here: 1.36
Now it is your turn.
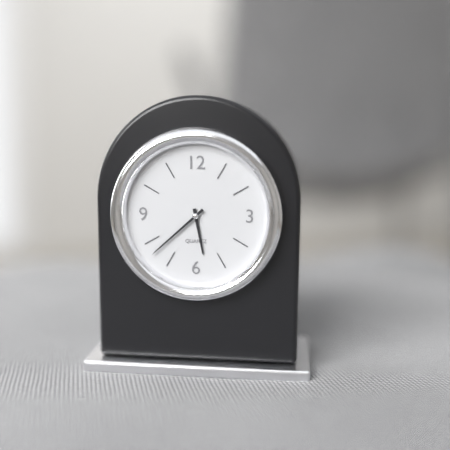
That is 5.38
